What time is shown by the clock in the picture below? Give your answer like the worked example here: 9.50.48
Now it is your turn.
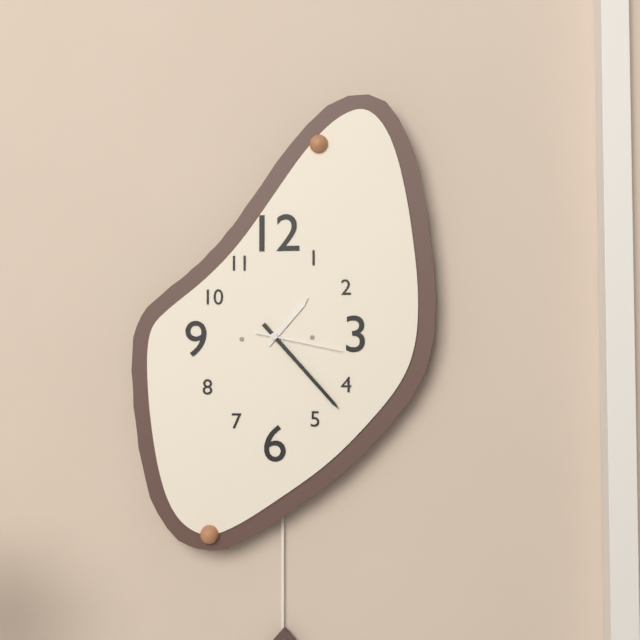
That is 1.23.17
